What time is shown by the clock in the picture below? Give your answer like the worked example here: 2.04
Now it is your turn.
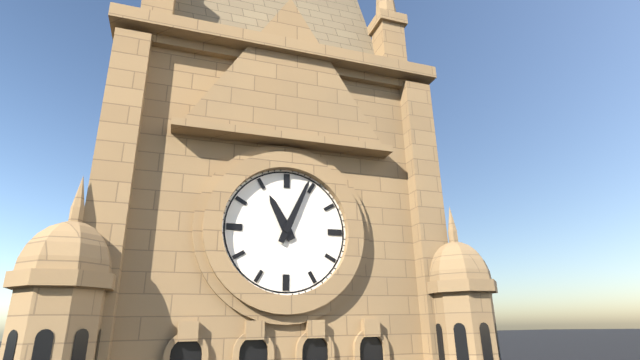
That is 11.04
